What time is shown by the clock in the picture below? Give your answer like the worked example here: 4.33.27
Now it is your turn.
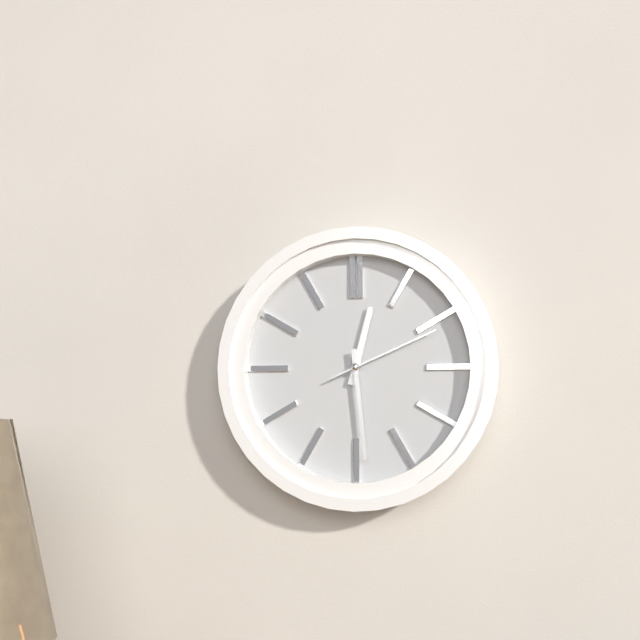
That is 12.29.11
